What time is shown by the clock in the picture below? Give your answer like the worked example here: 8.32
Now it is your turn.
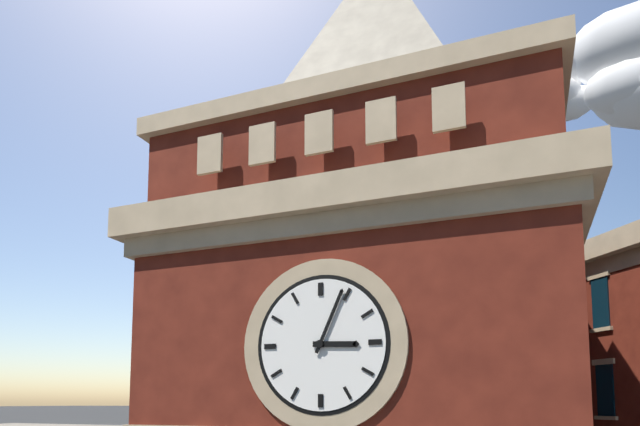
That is 3.04
